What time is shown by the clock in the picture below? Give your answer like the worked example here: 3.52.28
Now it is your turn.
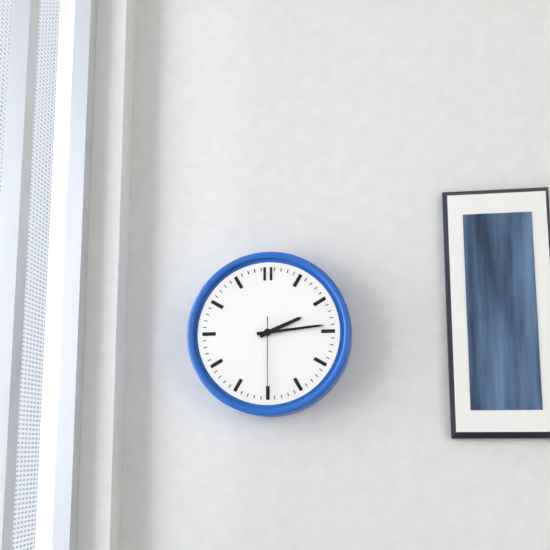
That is 2.14.30
